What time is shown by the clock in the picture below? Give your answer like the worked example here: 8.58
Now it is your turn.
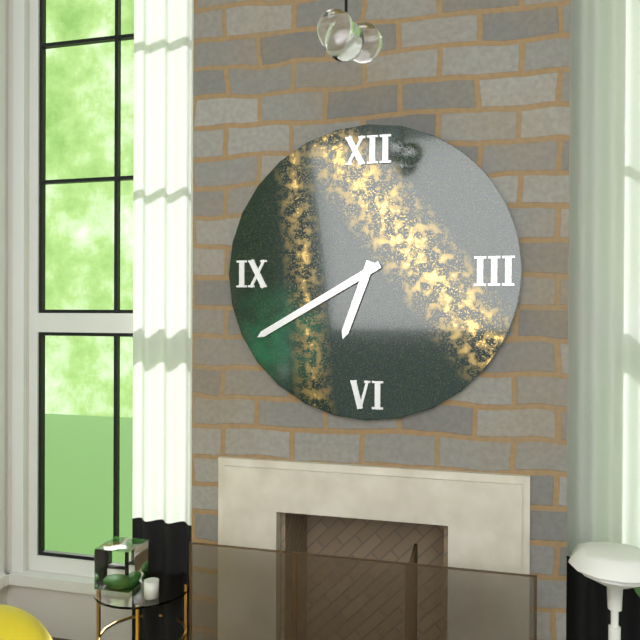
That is 6.40
